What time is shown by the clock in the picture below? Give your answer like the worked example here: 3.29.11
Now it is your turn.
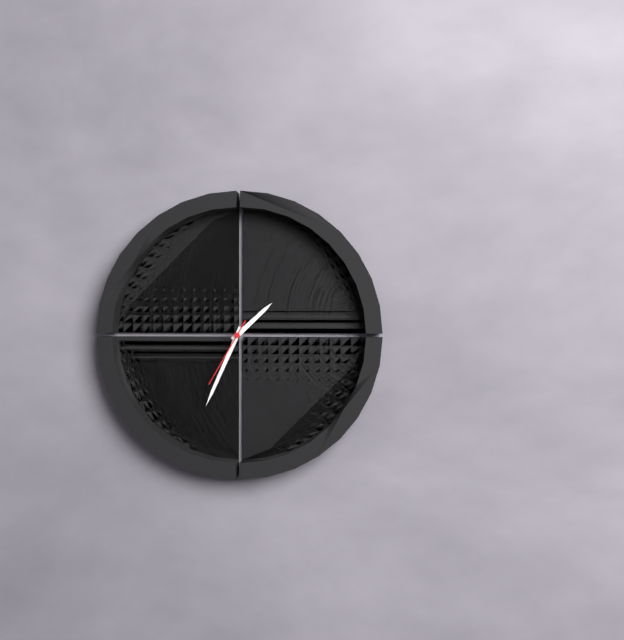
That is 1.34.35
